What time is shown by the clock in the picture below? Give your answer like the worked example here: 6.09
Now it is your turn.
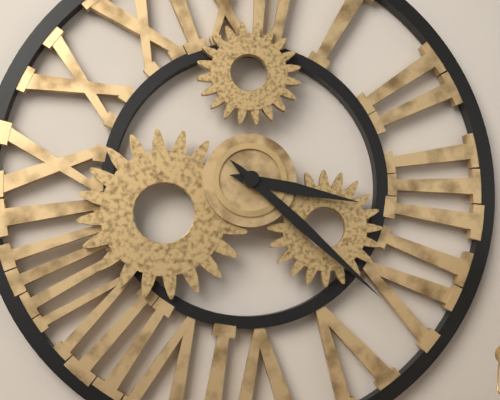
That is 3.22
